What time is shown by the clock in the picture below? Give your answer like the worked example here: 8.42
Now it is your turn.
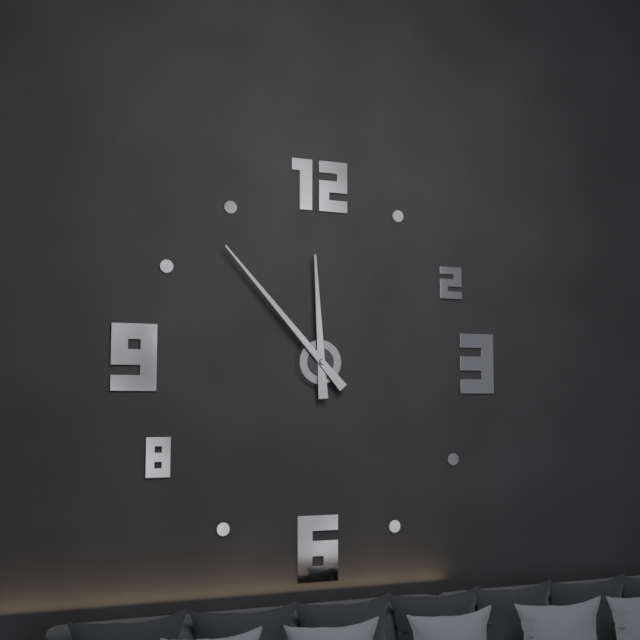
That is 11.53
